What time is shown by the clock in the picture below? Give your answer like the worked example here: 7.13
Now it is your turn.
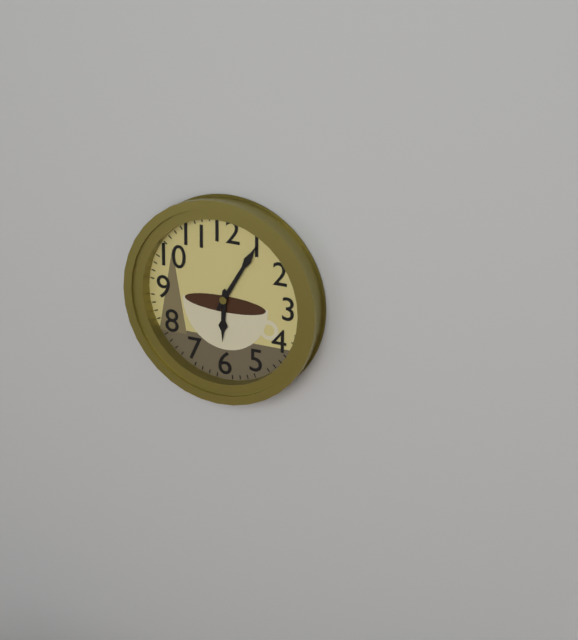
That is 6.05
